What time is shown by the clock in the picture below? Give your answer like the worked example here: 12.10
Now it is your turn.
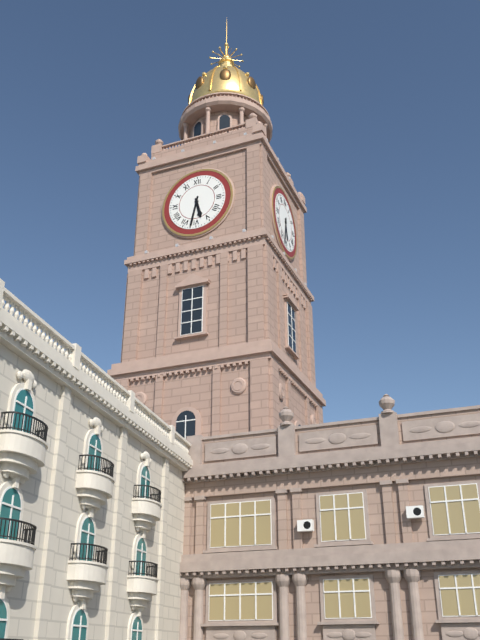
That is 5.32
